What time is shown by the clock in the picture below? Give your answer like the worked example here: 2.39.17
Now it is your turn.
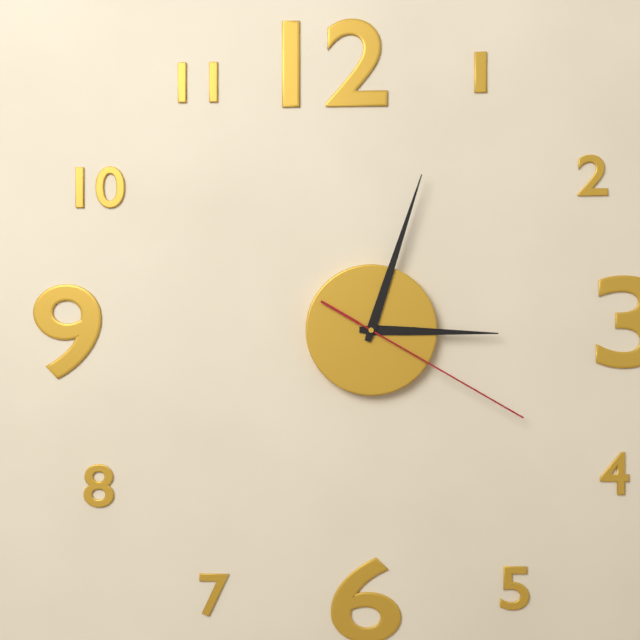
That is 3.03.20
